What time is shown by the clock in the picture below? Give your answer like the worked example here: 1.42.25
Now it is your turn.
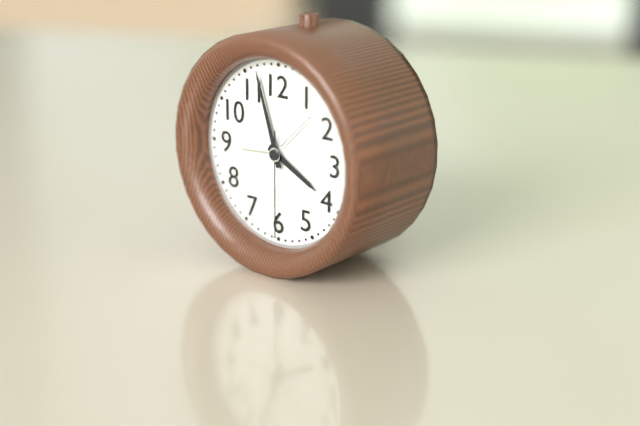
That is 3.57.30
